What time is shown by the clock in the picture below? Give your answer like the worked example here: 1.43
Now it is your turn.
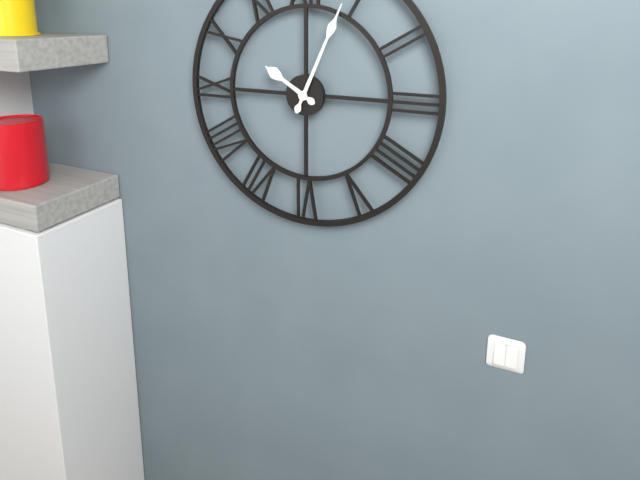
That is 10.04
